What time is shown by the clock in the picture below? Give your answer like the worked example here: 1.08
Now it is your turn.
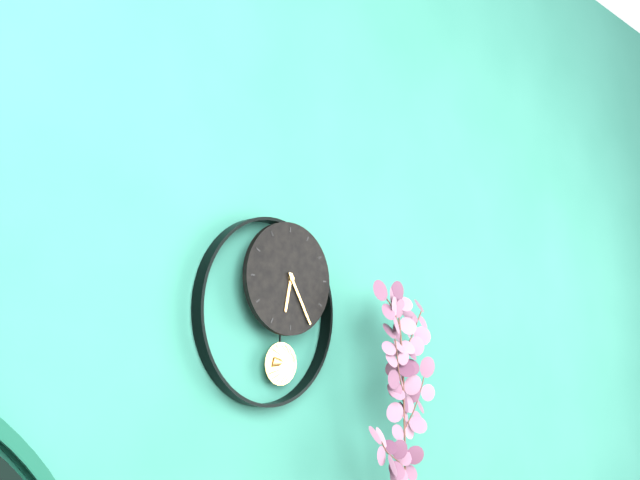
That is 6.25
